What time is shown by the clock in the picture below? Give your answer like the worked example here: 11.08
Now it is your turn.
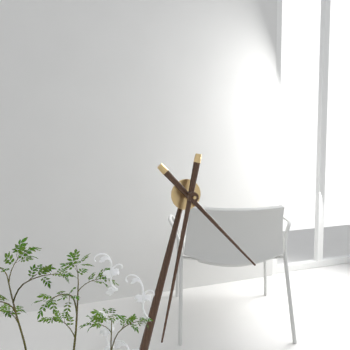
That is 4.32
